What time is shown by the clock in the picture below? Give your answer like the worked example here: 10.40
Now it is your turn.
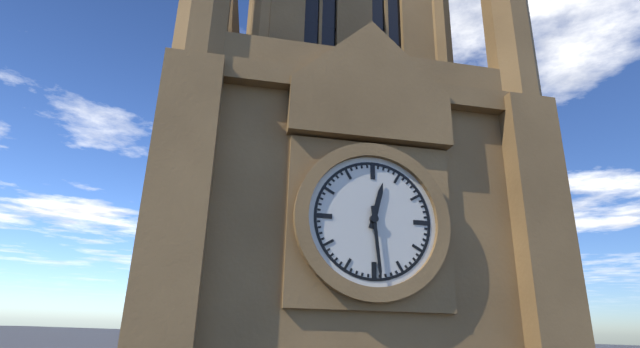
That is 12.29
